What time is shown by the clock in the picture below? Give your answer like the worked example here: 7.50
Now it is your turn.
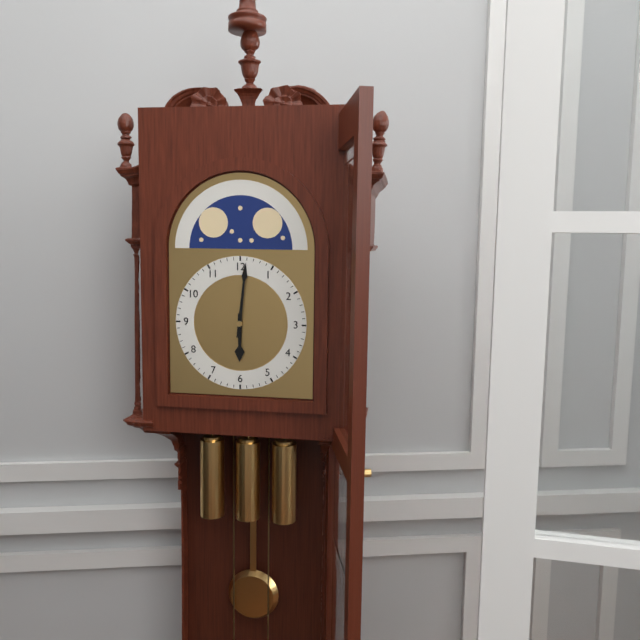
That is 6.01
